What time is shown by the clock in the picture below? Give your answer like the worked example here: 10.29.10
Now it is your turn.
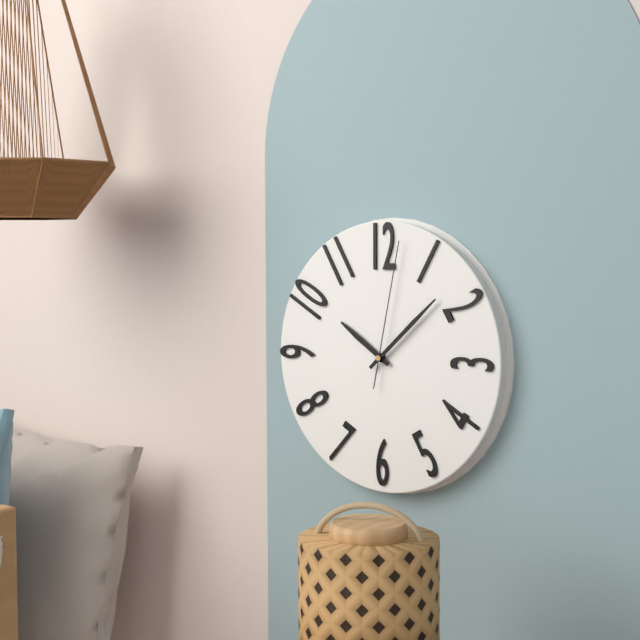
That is 10.08.02
